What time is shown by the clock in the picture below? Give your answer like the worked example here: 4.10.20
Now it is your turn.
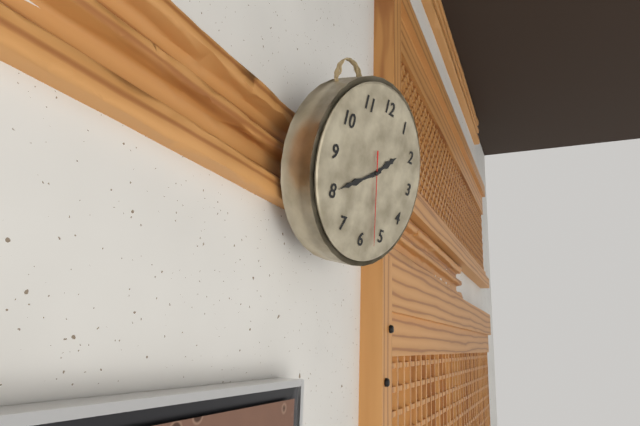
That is 1.40.27
